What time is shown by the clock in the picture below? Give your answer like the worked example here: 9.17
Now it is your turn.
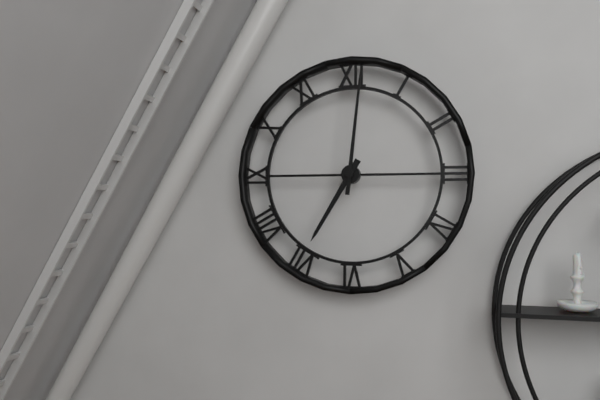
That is 7.01
